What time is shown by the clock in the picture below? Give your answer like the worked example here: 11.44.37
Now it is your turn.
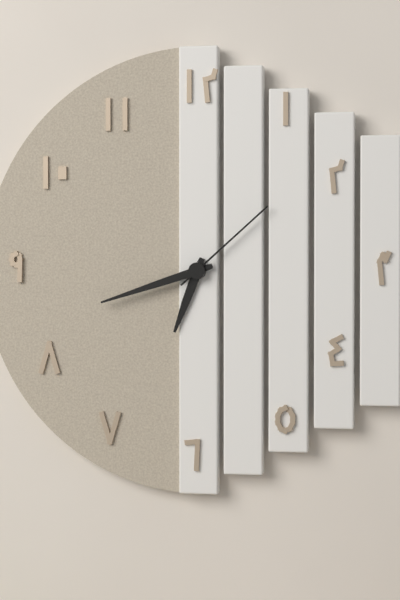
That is 6.42.08
